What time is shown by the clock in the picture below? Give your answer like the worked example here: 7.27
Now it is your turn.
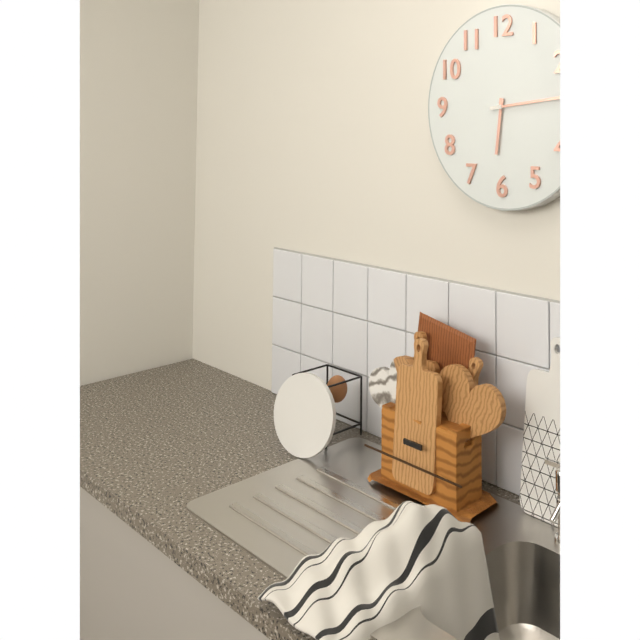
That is 6.14
